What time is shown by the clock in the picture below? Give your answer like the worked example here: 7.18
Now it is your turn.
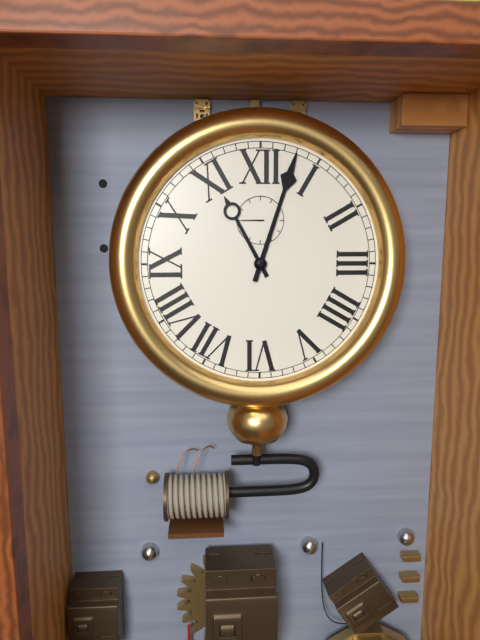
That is 11.03
